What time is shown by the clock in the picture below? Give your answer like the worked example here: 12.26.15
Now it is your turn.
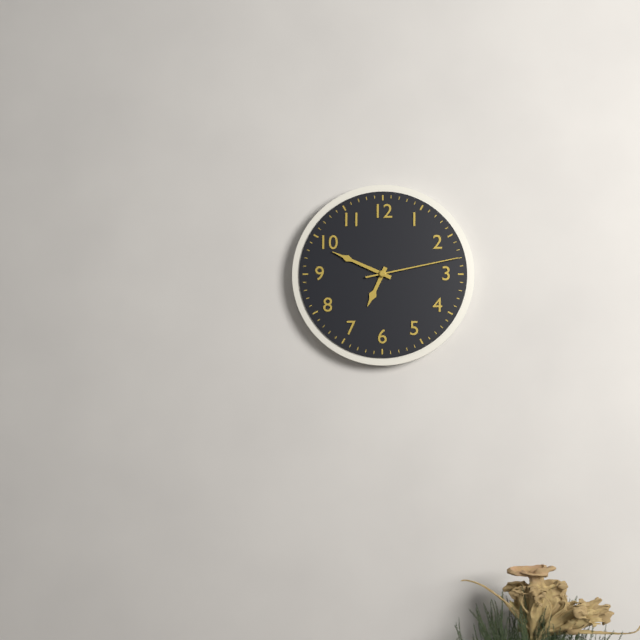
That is 6.49.13
